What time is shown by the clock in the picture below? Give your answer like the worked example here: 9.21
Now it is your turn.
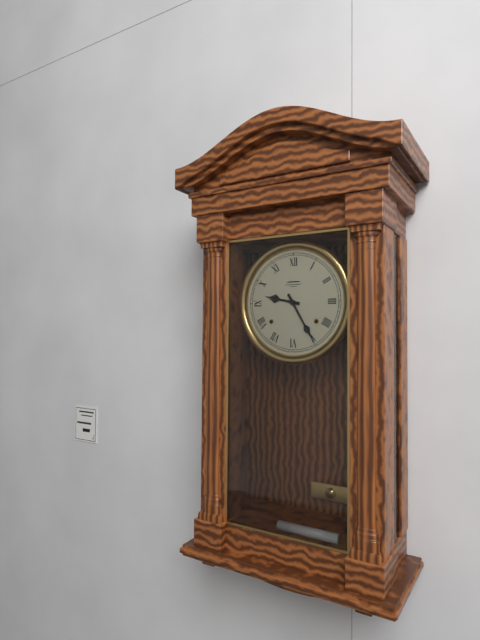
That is 9.25
